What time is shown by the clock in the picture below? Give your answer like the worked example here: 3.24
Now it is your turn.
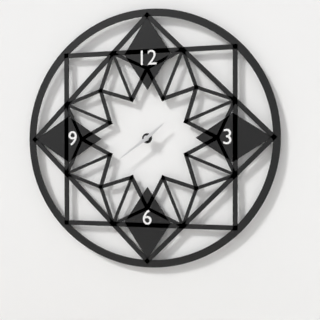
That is 1.39
